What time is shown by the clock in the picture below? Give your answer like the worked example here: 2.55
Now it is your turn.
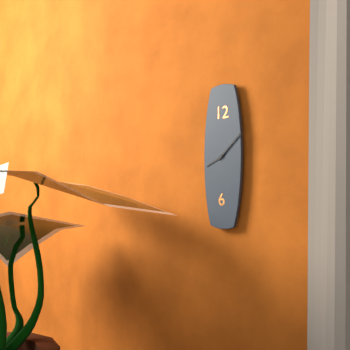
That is 8.08
